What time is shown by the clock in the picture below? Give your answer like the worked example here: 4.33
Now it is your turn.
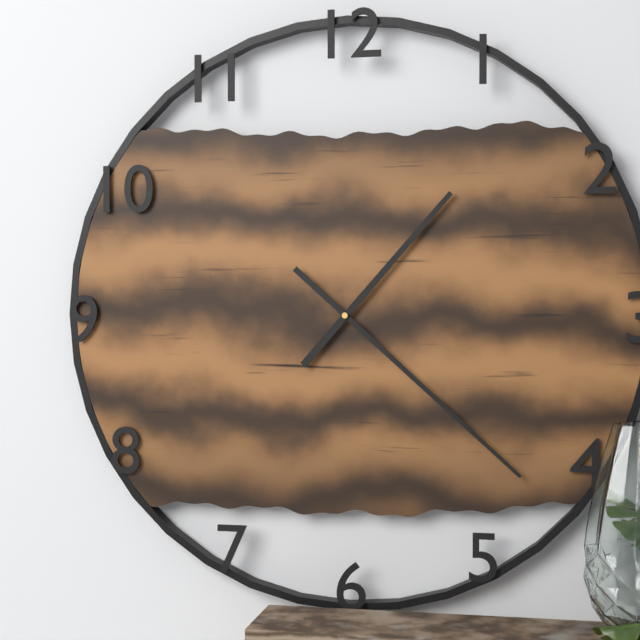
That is 1.22
